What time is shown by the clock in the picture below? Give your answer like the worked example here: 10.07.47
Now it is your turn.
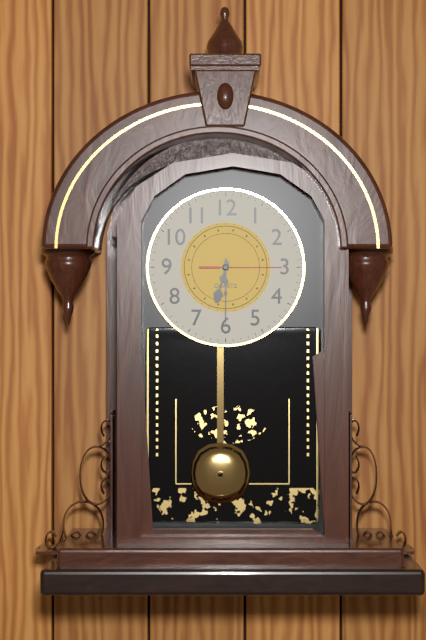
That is 6.30.15
